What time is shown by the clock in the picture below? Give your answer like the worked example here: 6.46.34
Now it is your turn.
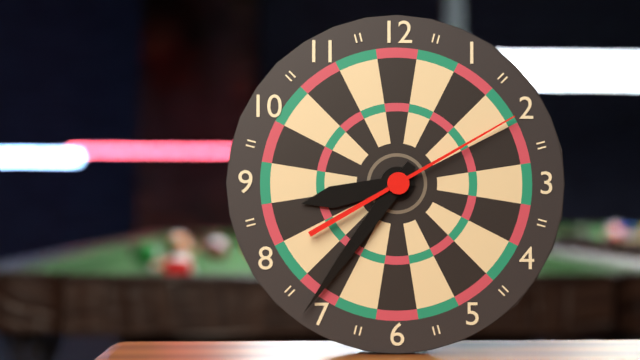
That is 8.36.10
